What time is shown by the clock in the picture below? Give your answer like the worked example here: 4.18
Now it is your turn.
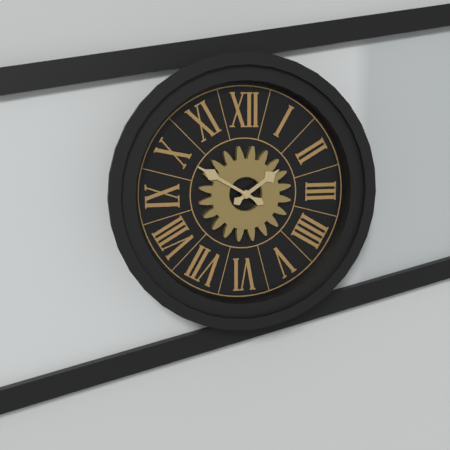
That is 1.50
